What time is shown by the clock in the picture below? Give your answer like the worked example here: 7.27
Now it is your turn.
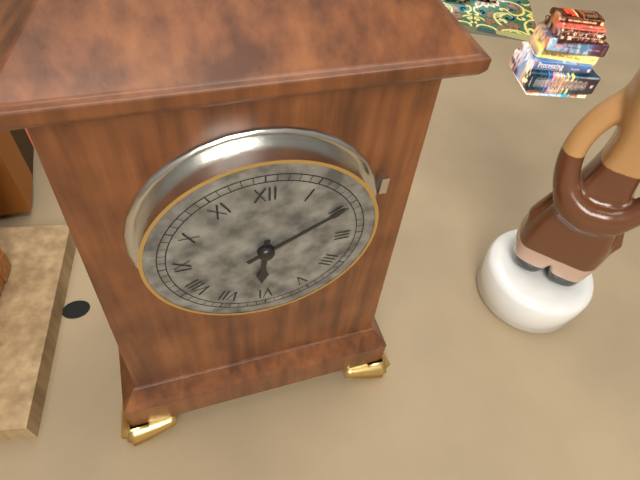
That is 6.10
